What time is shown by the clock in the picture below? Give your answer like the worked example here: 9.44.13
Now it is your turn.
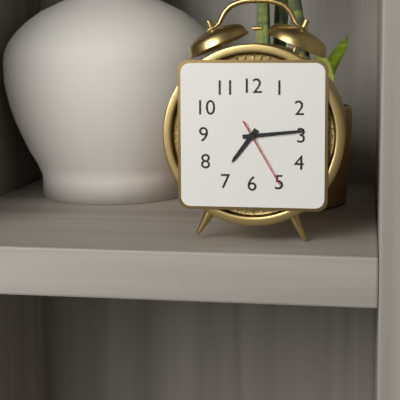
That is 7.14.25
